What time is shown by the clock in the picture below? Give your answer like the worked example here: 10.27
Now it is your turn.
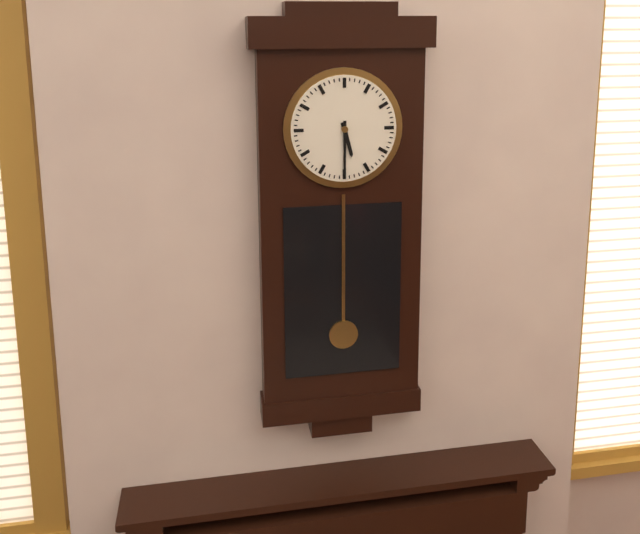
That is 5.30
